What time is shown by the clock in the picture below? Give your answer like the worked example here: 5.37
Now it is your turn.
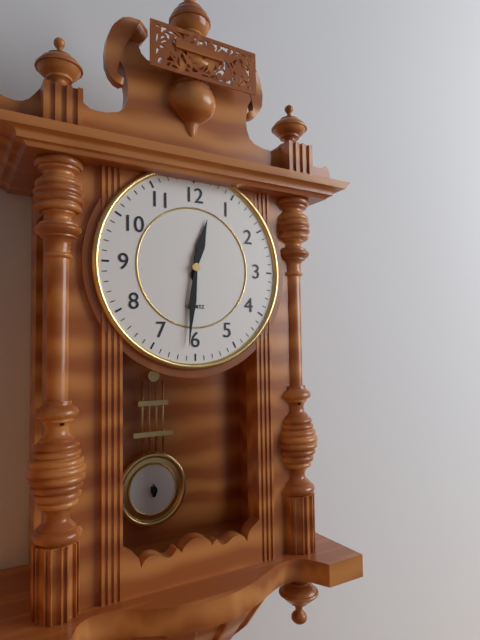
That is 12.31
